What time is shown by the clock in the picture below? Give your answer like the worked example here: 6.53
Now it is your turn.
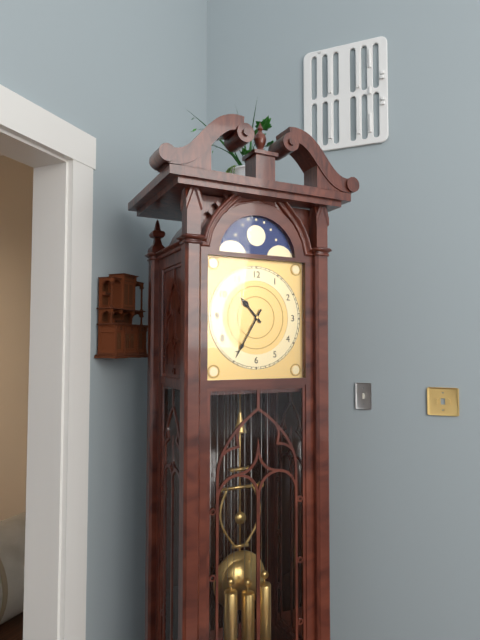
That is 10.35
